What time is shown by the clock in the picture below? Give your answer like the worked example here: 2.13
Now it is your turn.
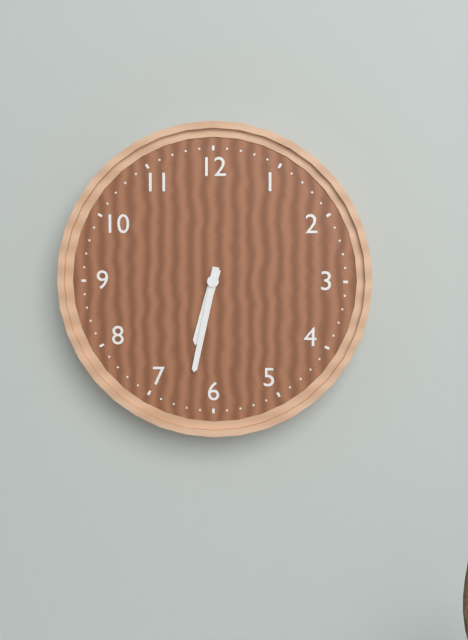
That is 6.32
